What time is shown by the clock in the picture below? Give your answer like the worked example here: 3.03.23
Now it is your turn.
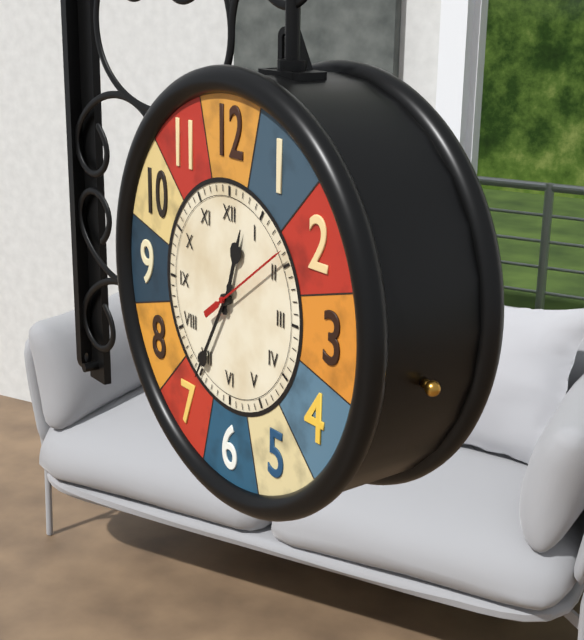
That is 12.35.09
